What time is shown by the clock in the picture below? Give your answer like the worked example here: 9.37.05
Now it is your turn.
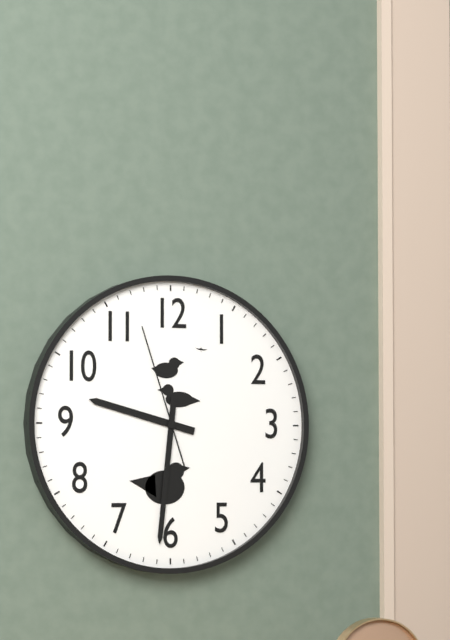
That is 9.31.57
